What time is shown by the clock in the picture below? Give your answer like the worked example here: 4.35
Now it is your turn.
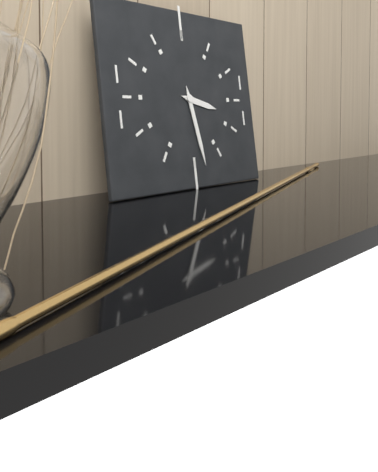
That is 3.28
